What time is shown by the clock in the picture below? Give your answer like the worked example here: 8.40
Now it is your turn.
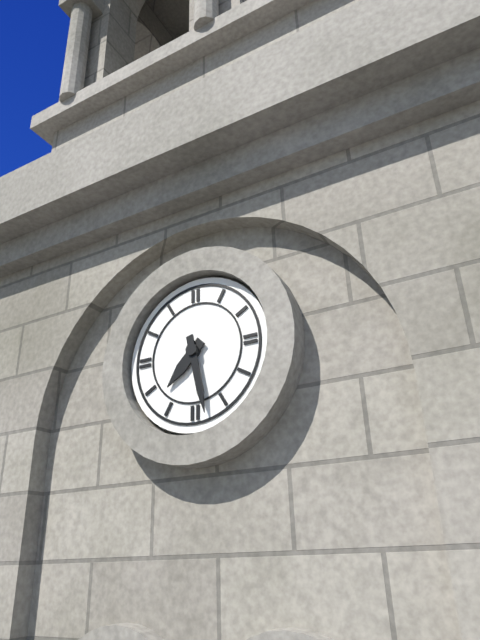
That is 7.28
